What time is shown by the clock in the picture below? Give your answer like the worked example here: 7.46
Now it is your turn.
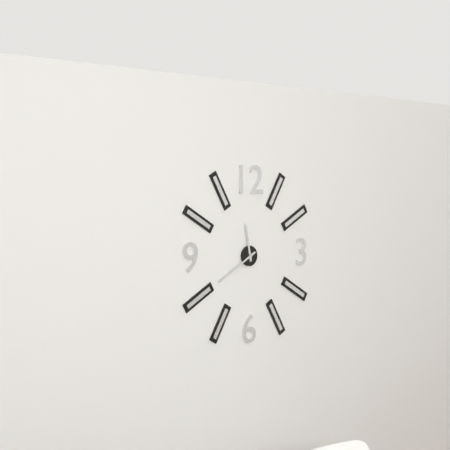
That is 11.40
